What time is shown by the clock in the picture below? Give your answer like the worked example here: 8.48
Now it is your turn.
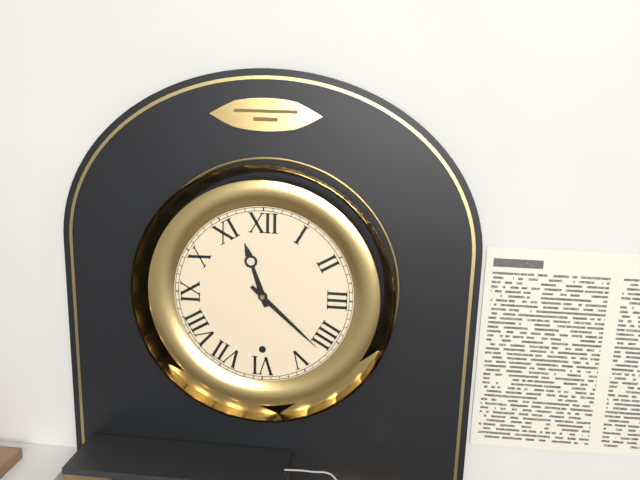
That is 11.22
